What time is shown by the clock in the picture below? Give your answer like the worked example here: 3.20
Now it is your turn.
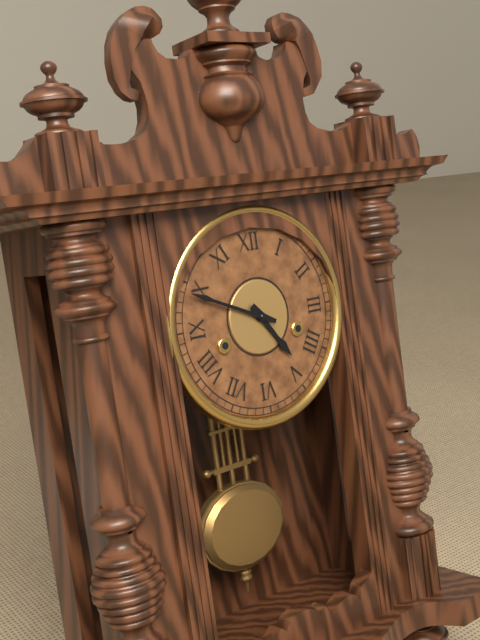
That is 4.49
